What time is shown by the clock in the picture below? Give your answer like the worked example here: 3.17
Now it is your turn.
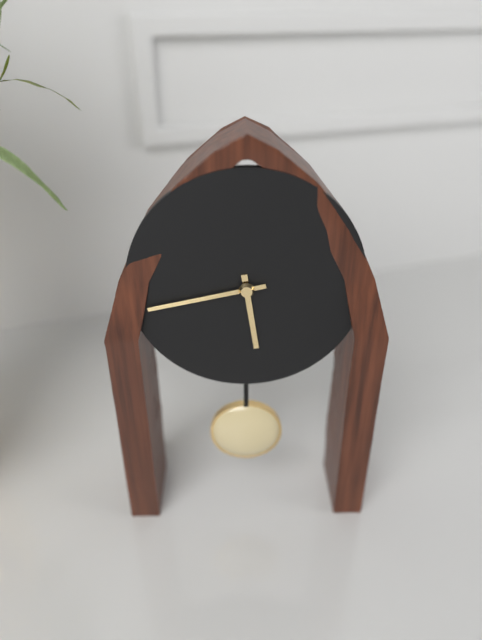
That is 5.43
